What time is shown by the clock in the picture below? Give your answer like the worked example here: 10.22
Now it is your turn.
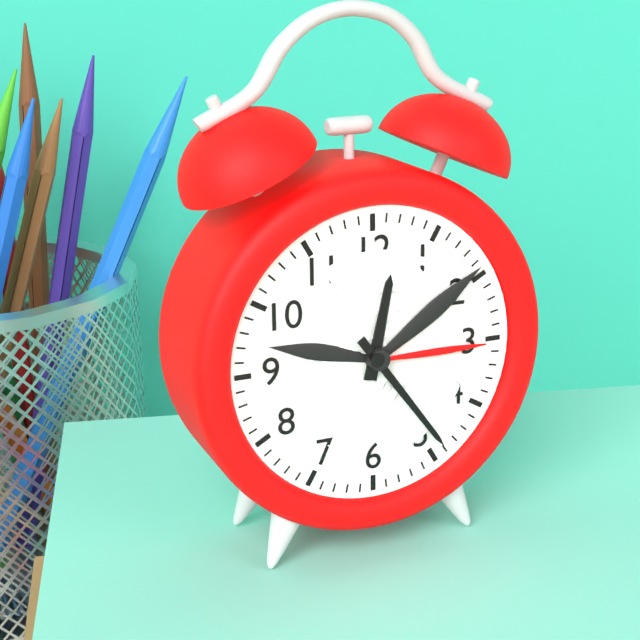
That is 12.24
